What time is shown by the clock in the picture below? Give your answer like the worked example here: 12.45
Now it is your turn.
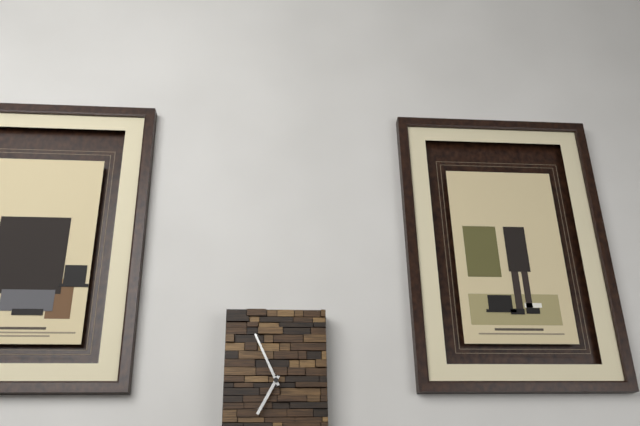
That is 6.56
